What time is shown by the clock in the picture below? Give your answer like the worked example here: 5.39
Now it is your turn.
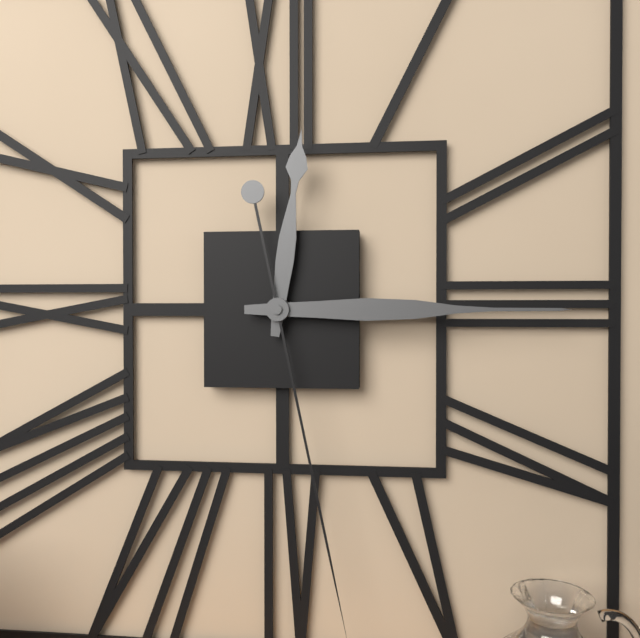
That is 12.15
